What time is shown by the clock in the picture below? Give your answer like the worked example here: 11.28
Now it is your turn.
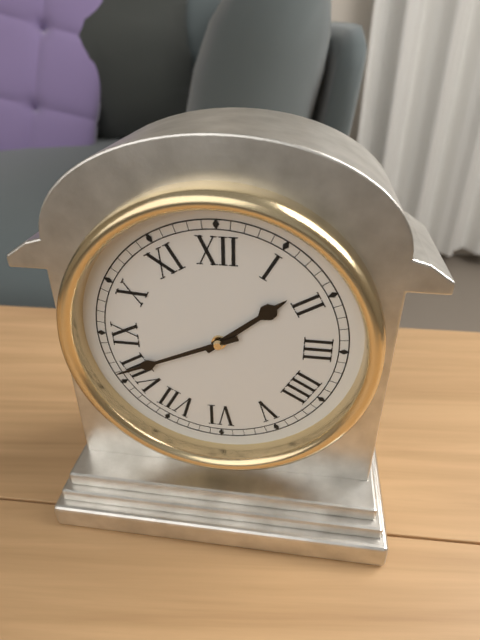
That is 1.41
